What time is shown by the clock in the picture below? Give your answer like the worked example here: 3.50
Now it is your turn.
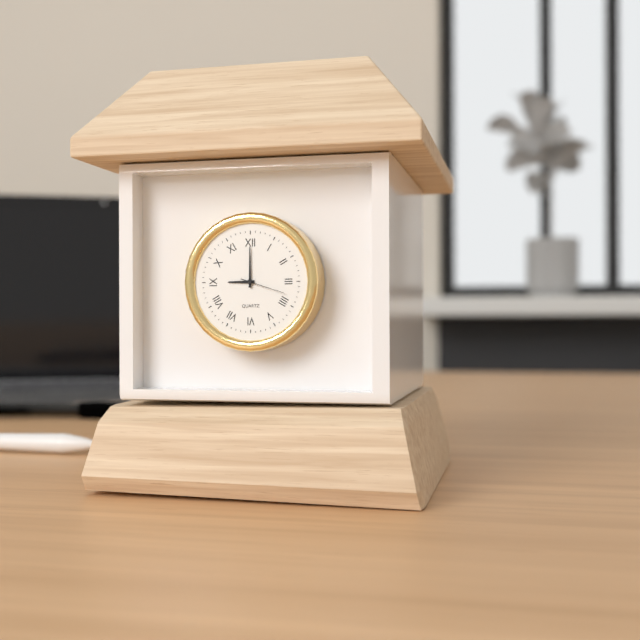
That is 9.00
